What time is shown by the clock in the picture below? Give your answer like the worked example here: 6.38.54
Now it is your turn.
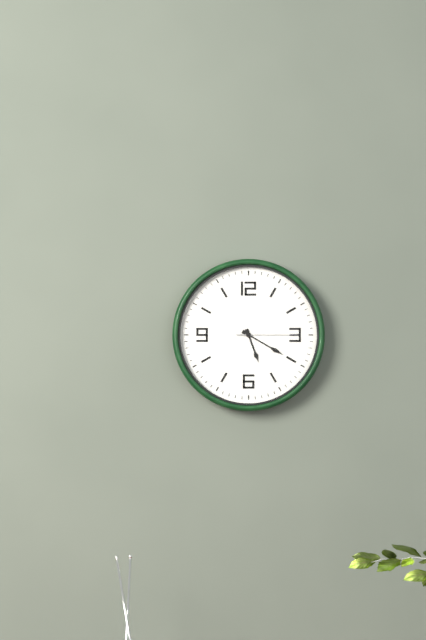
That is 5.20.15
